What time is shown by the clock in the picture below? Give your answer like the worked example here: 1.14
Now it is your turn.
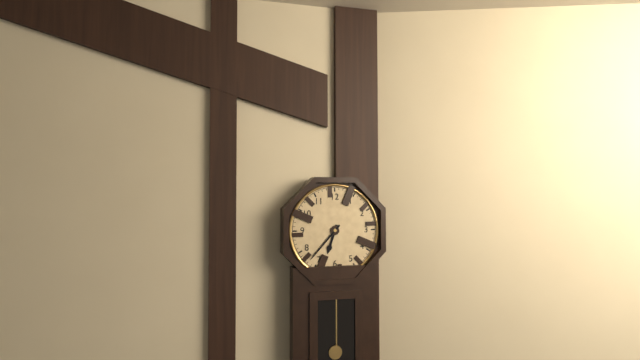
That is 6.37
